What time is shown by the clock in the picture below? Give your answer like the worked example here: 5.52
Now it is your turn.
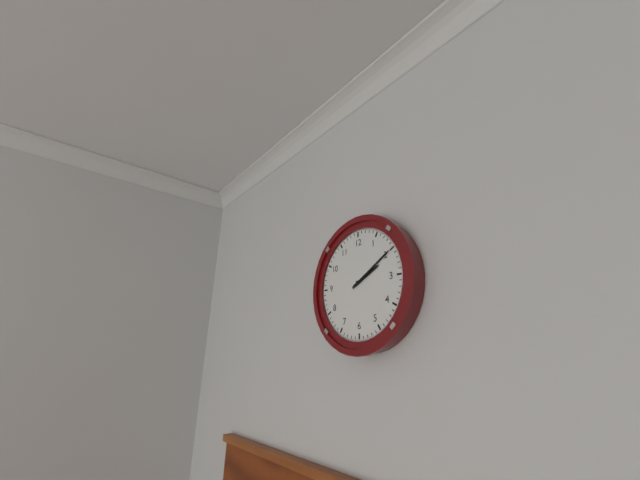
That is 2.10
